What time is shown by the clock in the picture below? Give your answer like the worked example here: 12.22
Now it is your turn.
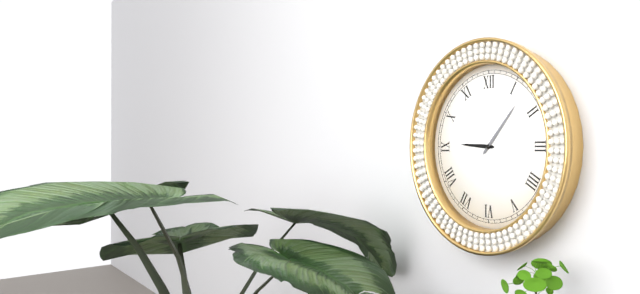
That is 9.07
